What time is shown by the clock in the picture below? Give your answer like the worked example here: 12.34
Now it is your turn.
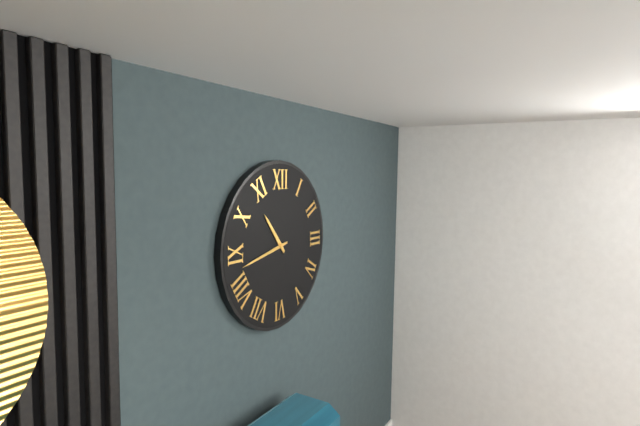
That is 10.43
